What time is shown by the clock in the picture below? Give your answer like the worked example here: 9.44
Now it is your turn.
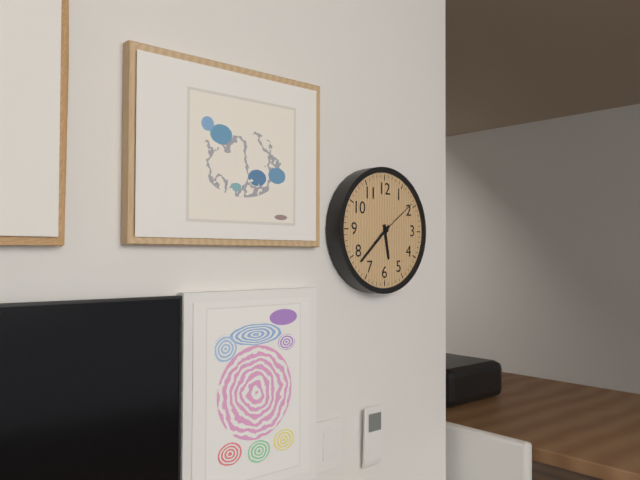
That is 5.38
